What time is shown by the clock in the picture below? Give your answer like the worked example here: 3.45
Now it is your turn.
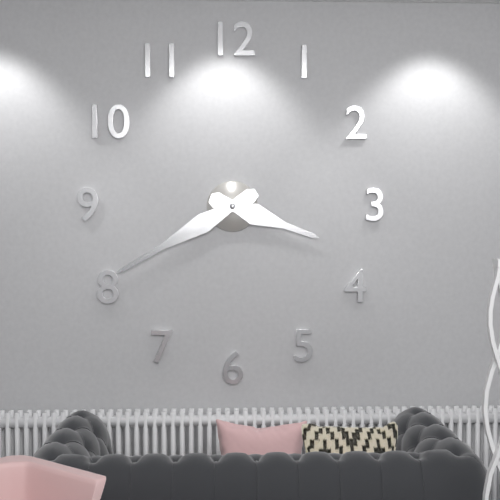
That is 3.40
